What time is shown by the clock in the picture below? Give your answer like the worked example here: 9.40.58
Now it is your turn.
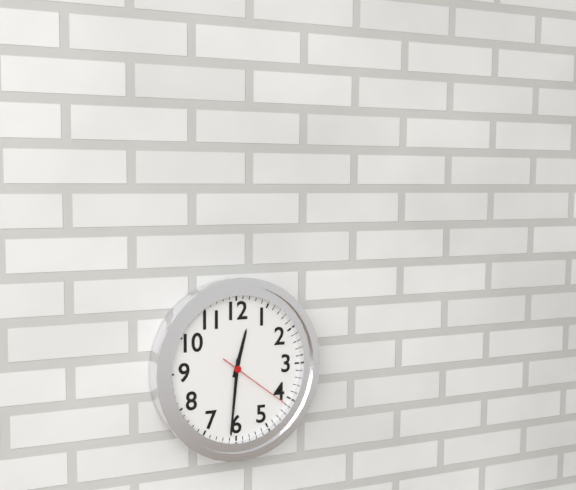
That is 12.31.21
